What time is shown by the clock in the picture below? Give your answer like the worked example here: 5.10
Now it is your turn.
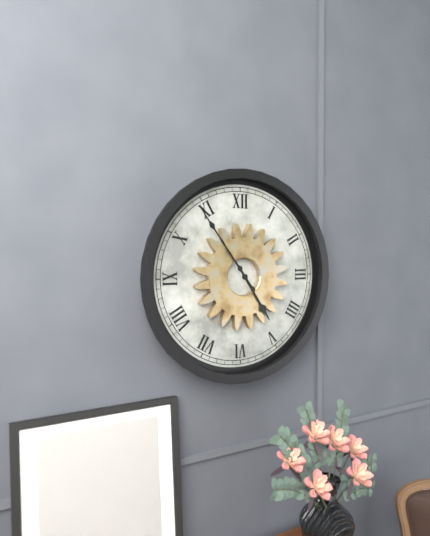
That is 4.54
